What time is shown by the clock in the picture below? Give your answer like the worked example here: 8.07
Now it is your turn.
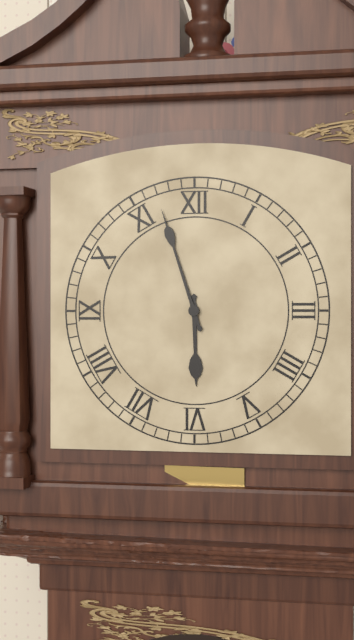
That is 5.57
